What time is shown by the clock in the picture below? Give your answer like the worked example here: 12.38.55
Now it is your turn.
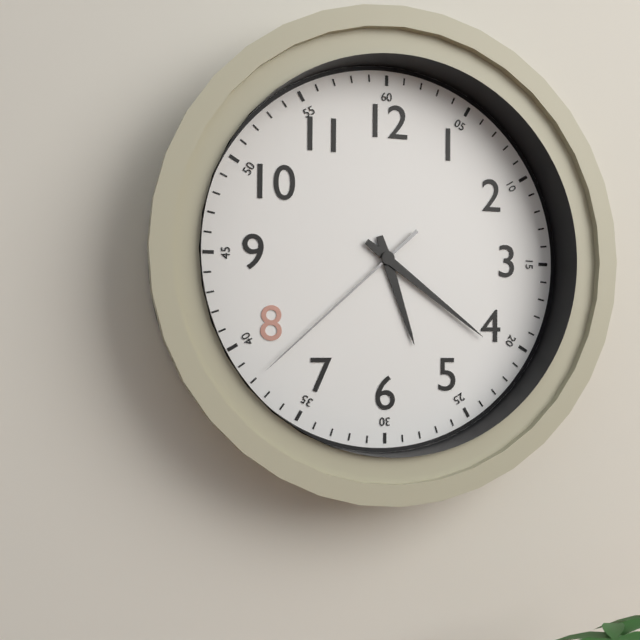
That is 5.21.38
